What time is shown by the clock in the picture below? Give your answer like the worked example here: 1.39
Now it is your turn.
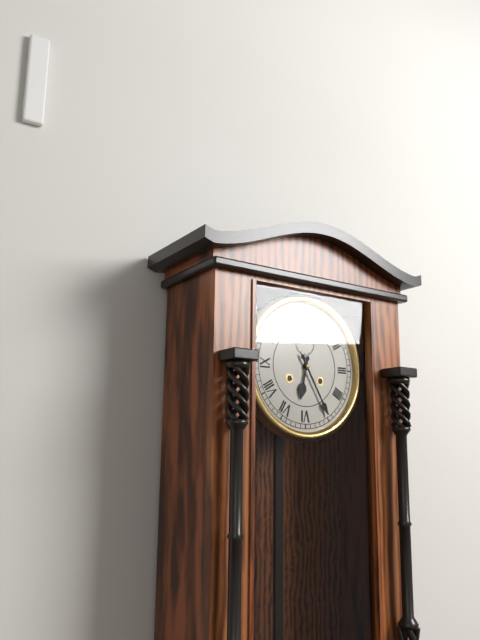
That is 6.25
